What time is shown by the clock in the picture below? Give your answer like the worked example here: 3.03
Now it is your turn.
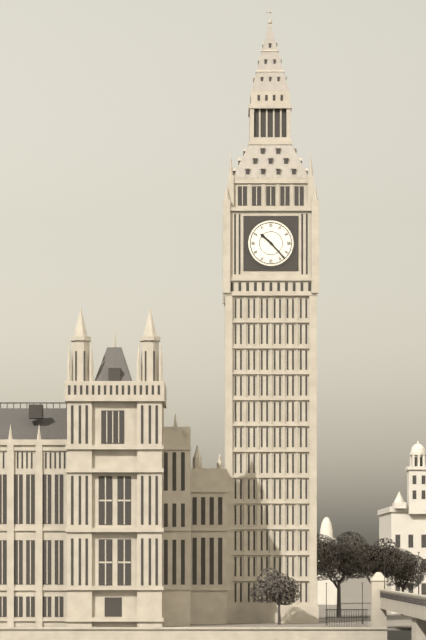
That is 10.23
